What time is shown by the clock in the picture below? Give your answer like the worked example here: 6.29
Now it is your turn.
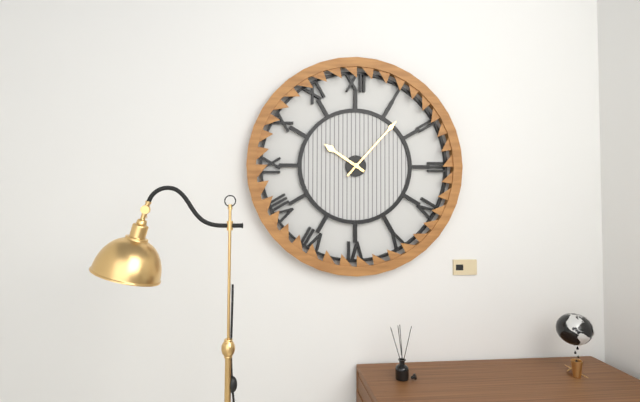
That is 10.07
